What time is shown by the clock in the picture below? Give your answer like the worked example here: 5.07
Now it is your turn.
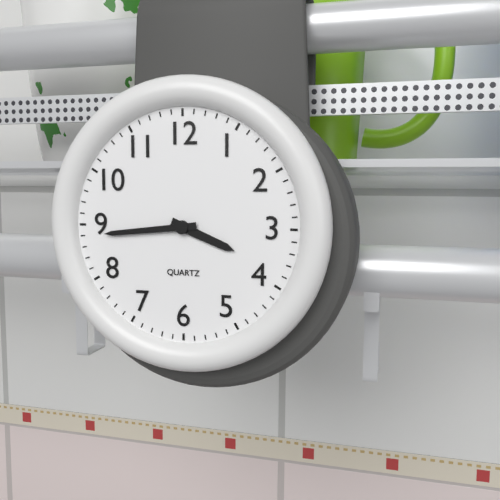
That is 3.44
